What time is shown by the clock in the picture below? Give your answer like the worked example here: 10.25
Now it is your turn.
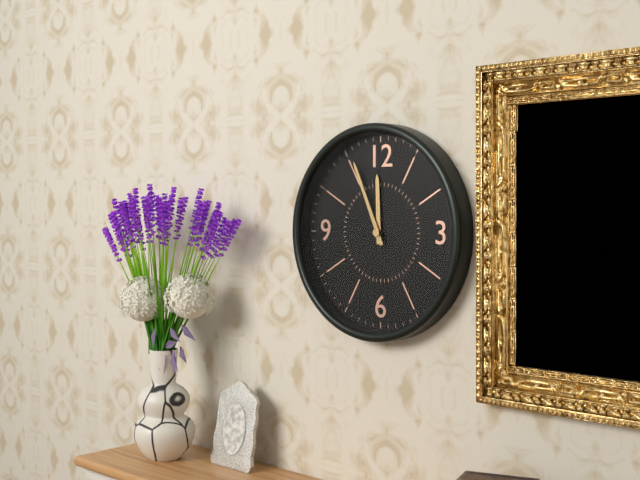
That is 11.56
